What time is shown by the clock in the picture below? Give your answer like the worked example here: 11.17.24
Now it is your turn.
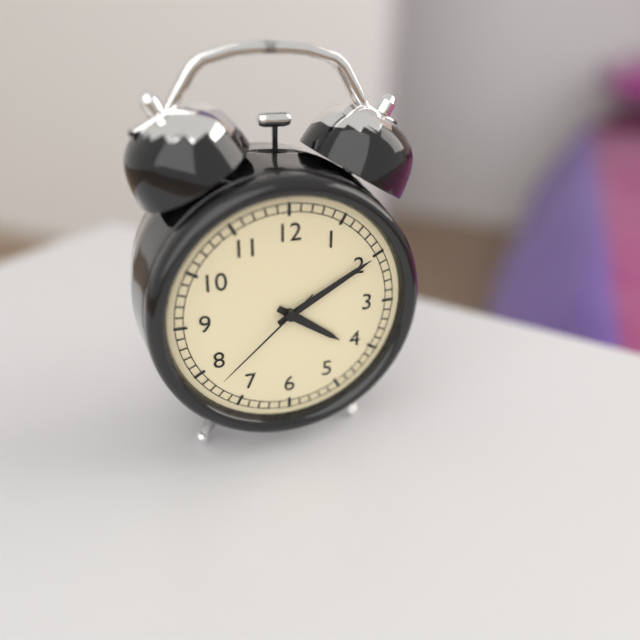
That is 4.10.38
